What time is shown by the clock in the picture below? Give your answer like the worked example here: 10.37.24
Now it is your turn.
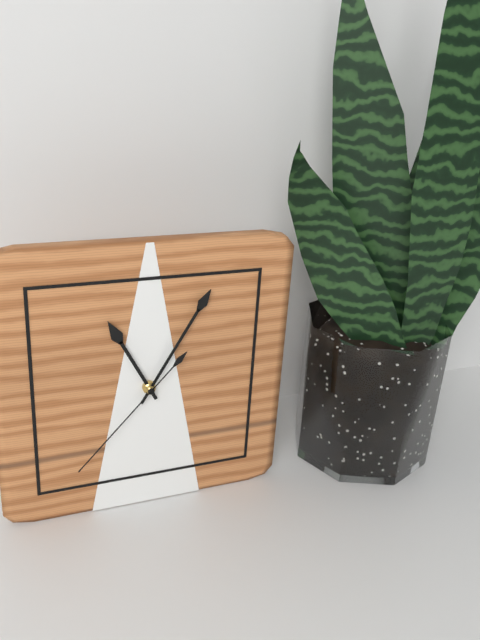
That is 11.05.37
